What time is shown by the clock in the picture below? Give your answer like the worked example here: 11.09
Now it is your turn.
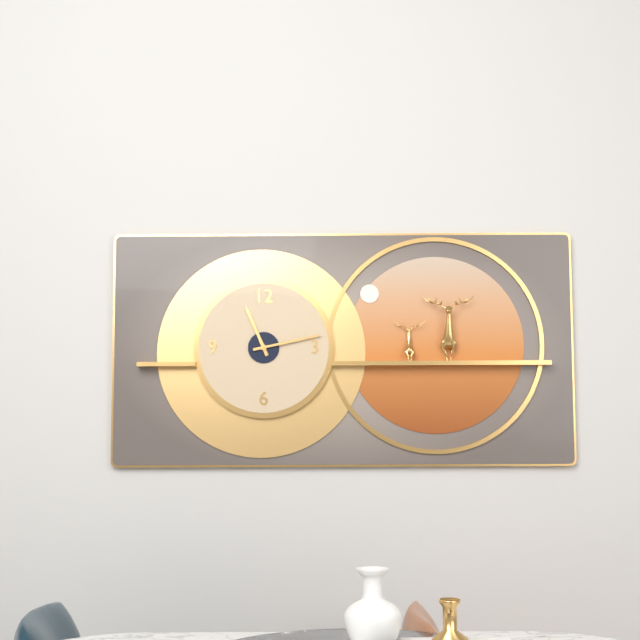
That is 11.13
